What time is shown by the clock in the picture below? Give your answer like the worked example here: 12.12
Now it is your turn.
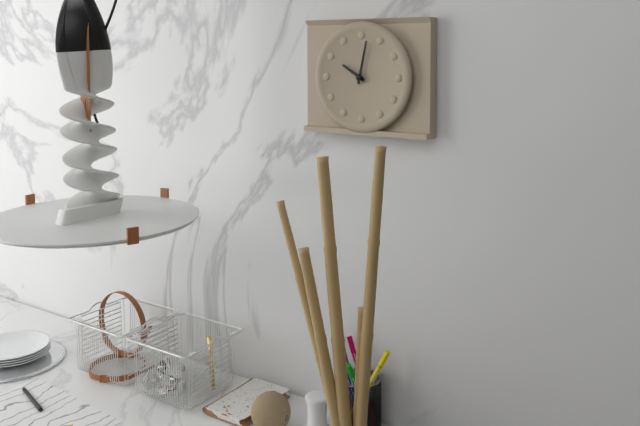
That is 10.02
